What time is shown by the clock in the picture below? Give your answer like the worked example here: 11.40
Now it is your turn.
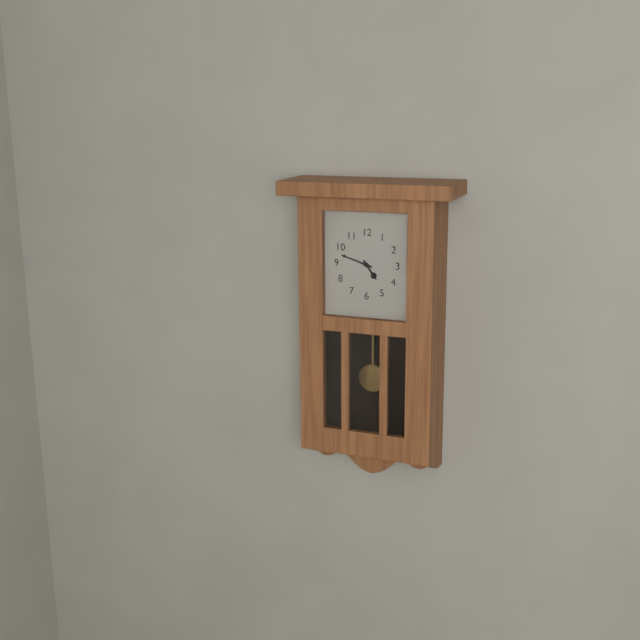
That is 4.48
